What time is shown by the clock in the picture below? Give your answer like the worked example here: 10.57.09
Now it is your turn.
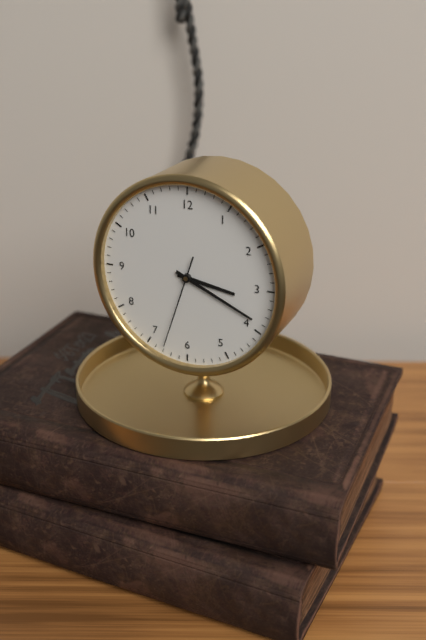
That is 3.19.33
